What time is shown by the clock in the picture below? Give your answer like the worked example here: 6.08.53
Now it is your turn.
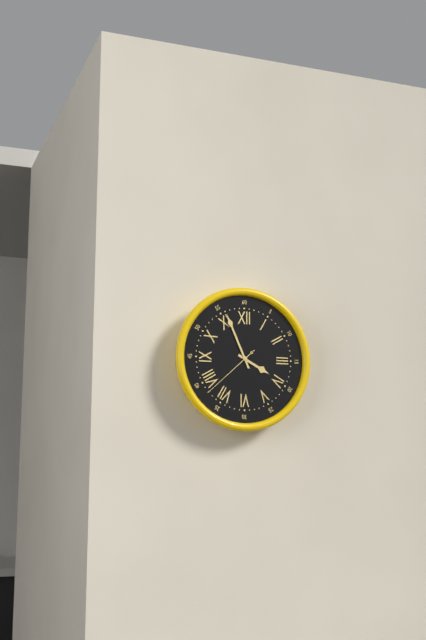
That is 3.56.38
